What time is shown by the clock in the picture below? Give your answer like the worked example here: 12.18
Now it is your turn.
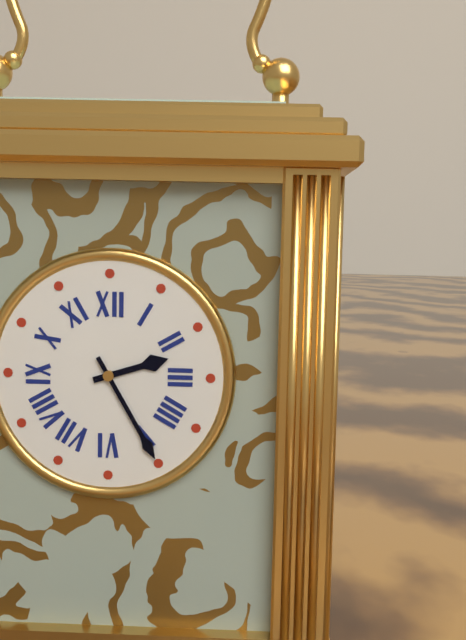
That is 2.25
